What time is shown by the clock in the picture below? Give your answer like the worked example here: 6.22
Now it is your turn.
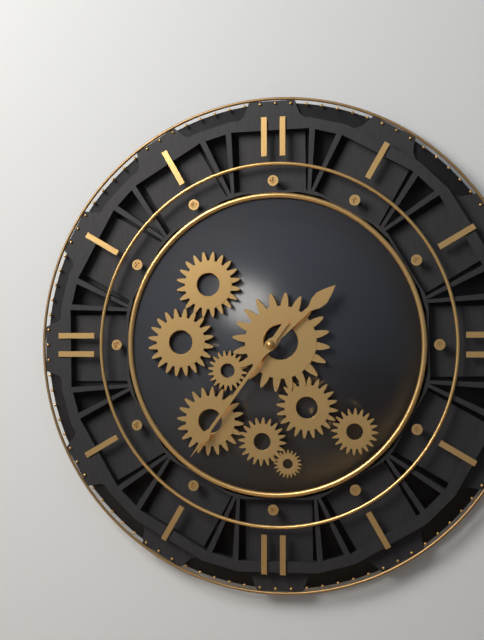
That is 1.36
